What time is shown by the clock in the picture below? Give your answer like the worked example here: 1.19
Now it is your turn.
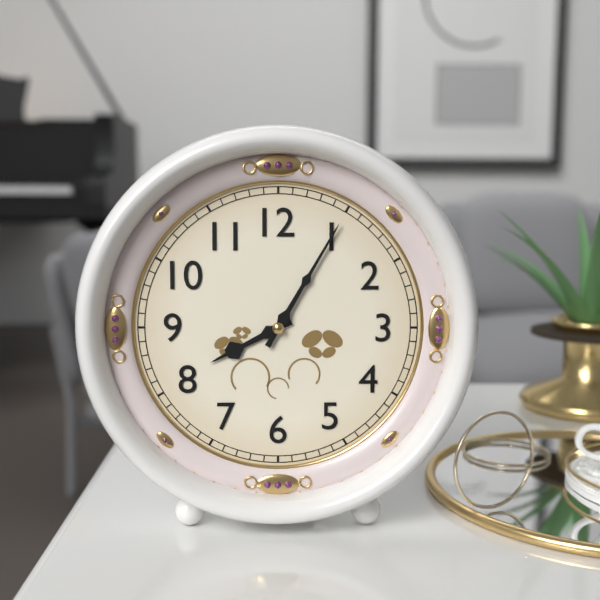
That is 8.05
